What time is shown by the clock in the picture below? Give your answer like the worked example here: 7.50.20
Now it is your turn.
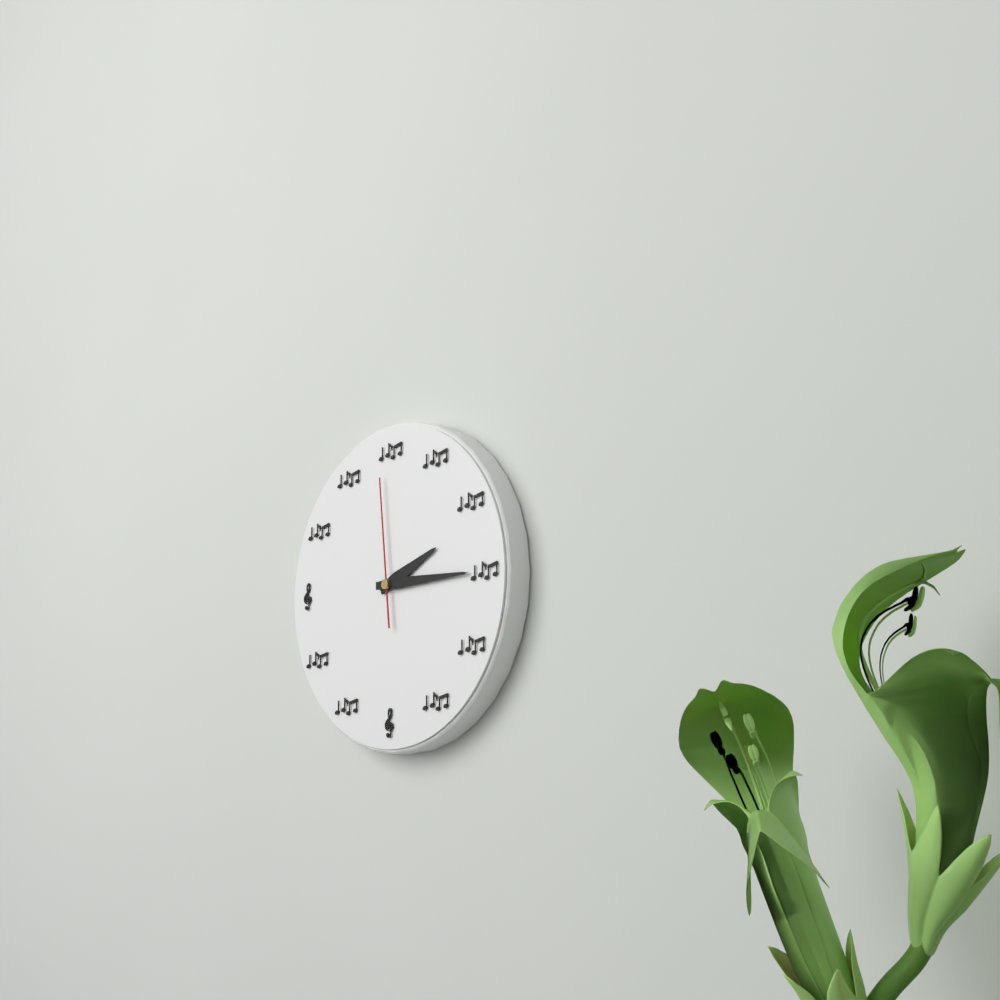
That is 2.15.59
